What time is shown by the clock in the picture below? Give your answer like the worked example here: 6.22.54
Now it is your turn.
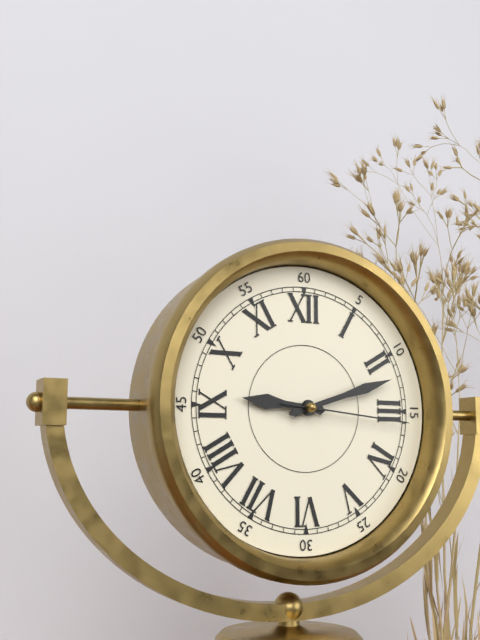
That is 9.12.16
